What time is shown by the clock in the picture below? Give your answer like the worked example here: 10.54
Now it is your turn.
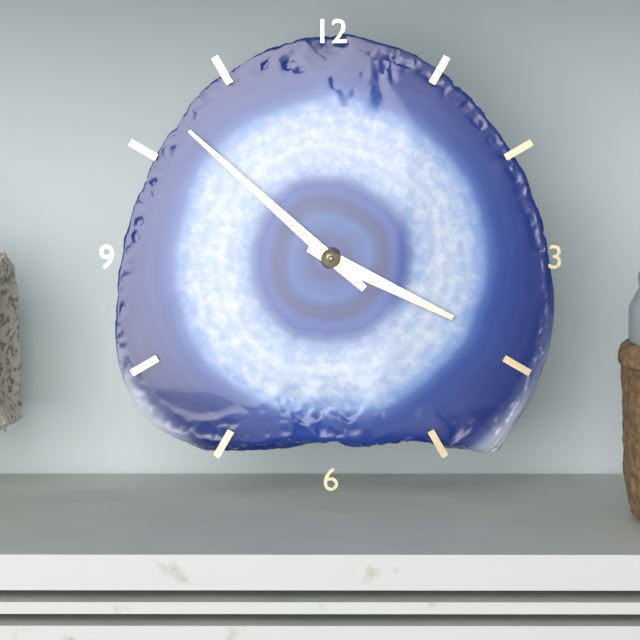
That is 3.52
